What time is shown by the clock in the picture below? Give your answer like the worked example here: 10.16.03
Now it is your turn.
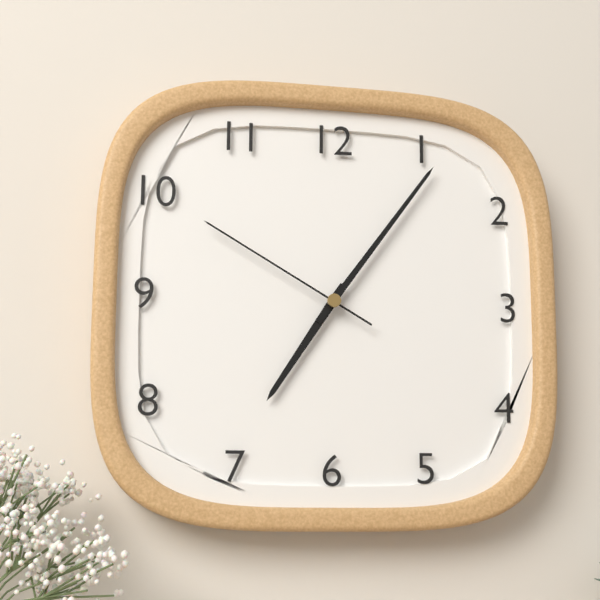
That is 7.06.50
